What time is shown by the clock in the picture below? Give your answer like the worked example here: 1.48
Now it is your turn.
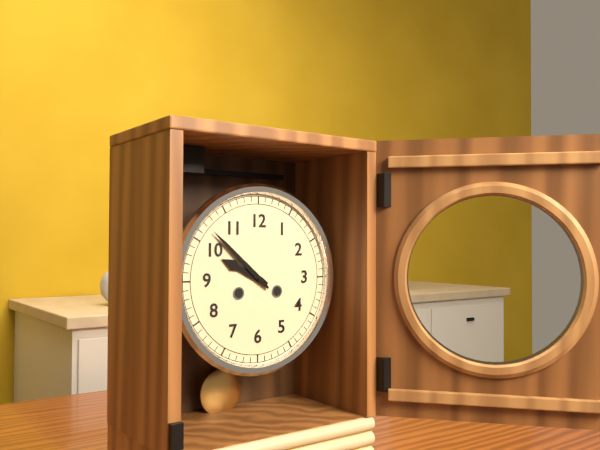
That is 9.52
